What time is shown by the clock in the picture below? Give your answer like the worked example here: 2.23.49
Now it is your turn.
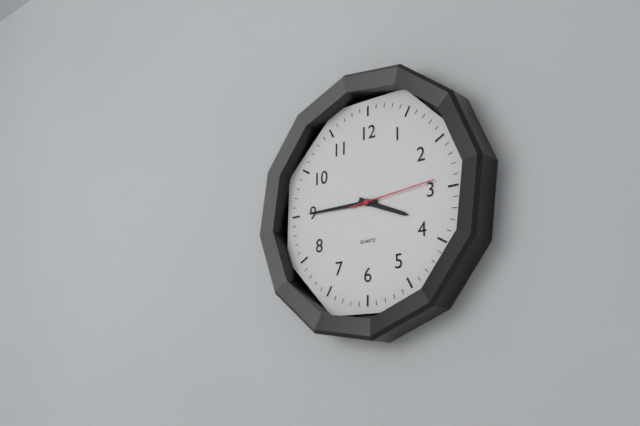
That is 3.45.14
